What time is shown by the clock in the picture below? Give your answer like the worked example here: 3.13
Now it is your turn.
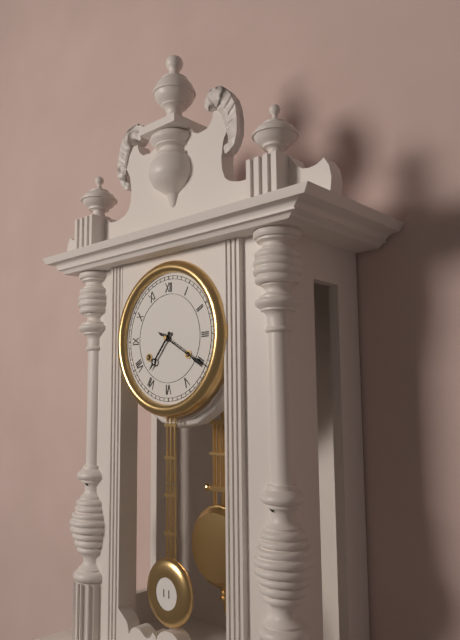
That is 7.20
